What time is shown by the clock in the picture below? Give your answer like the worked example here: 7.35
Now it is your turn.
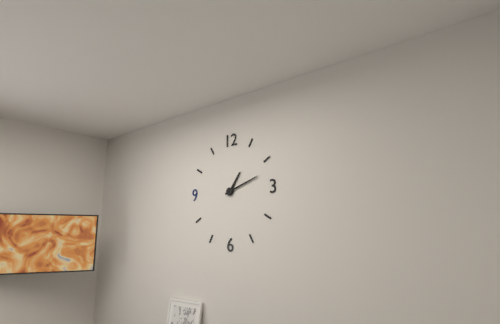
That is 1.12
